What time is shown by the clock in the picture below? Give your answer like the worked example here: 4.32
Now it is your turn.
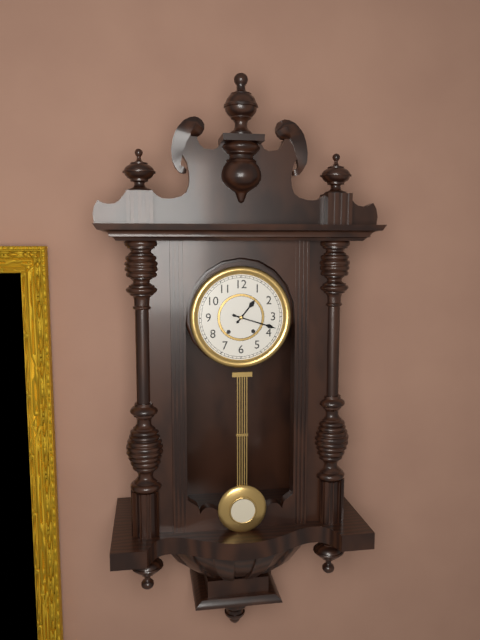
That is 1.18
